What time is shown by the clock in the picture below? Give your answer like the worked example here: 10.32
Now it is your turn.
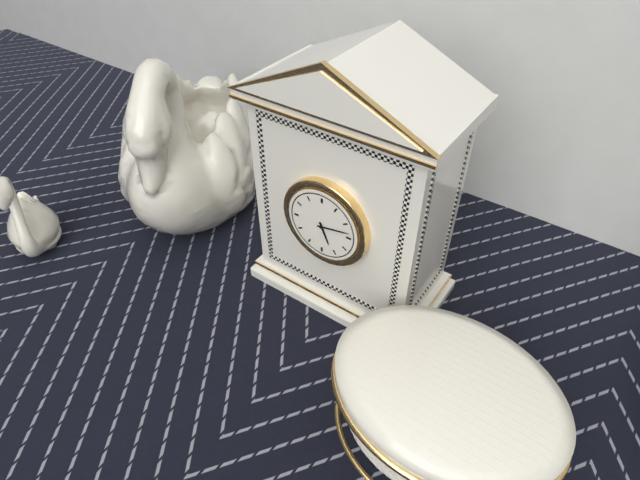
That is 5.13
